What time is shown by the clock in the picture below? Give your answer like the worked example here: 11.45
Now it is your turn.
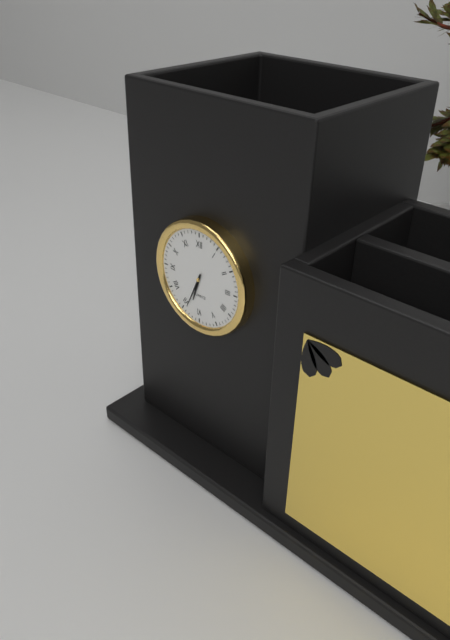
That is 6.34
